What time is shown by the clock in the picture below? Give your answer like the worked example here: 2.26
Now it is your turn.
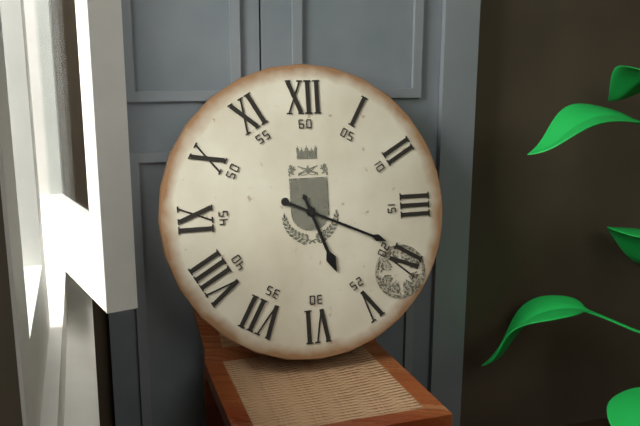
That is 5.19
